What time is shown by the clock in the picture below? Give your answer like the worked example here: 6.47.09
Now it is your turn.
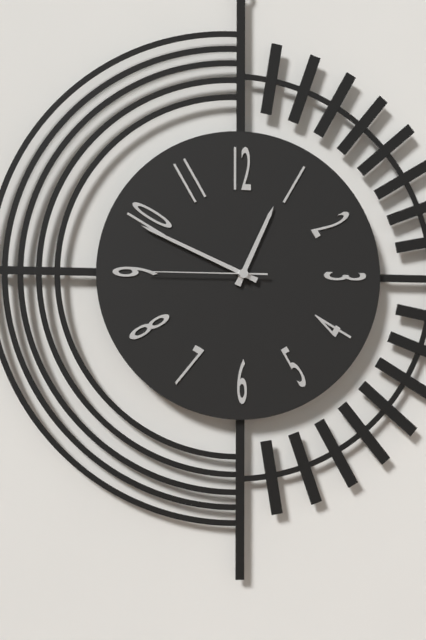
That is 12.49.45
